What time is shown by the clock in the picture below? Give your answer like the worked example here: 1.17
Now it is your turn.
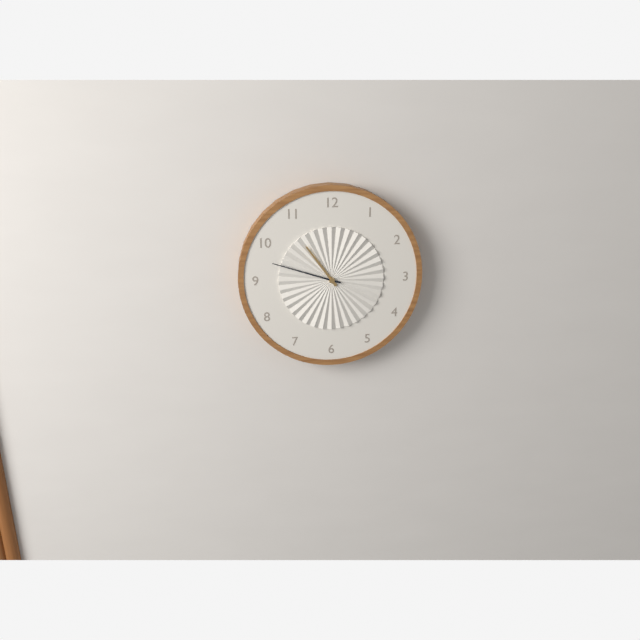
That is 10.48
